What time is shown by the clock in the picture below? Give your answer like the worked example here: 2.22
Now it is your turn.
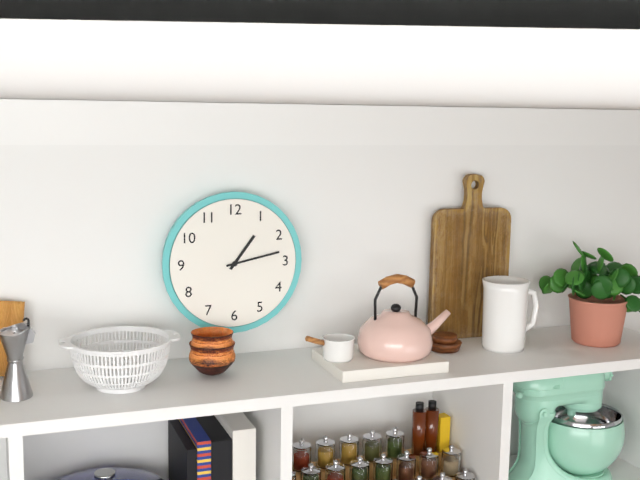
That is 1.13
